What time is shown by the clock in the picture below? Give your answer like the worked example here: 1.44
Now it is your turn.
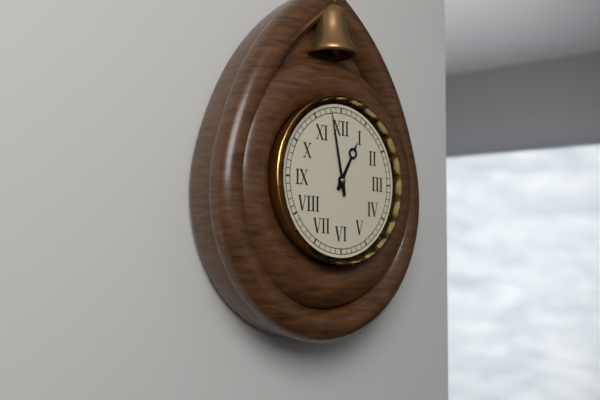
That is 12.58
